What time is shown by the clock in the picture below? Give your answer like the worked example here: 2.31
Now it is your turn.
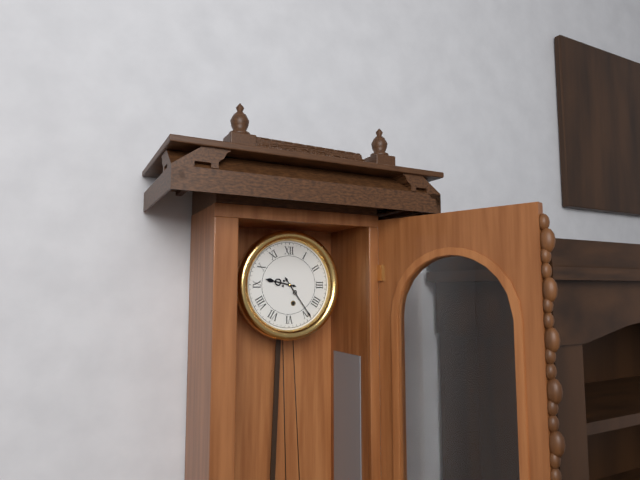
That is 9.24
